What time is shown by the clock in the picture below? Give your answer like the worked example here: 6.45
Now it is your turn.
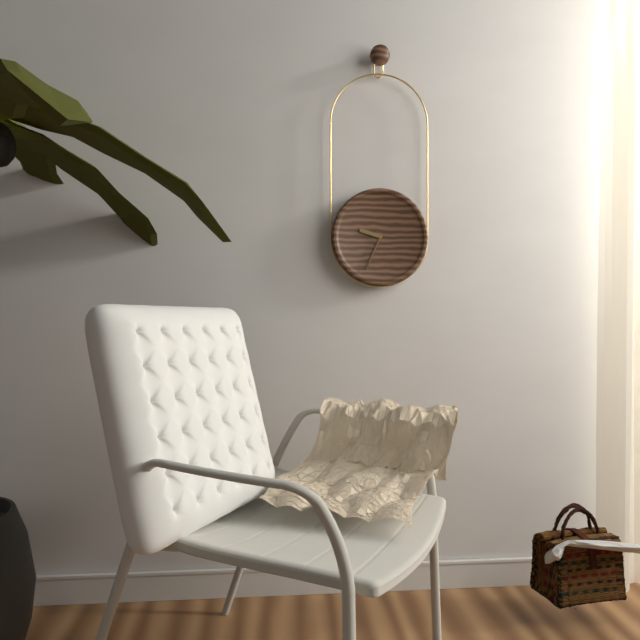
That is 9.34
